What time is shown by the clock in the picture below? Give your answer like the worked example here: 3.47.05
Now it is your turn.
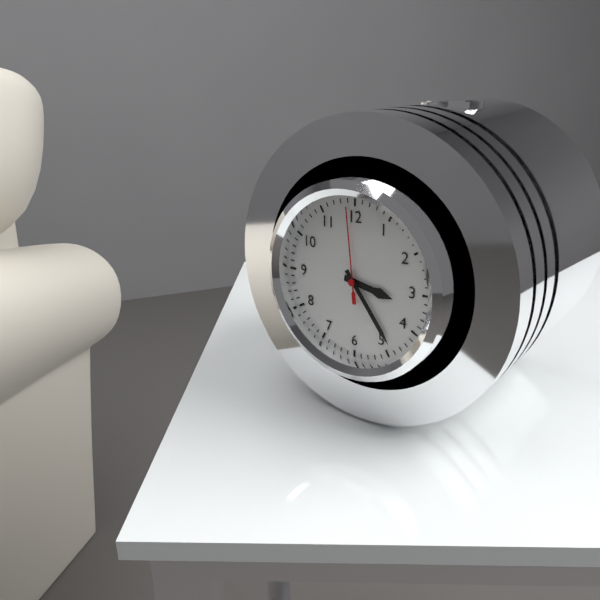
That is 3.24.59
